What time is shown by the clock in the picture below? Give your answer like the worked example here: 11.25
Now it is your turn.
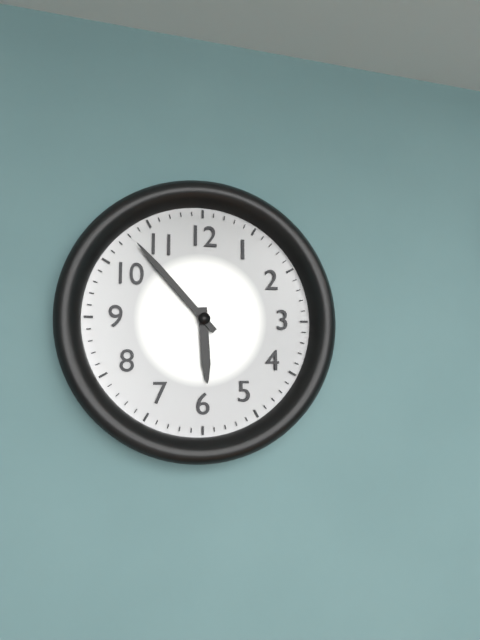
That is 5.53
